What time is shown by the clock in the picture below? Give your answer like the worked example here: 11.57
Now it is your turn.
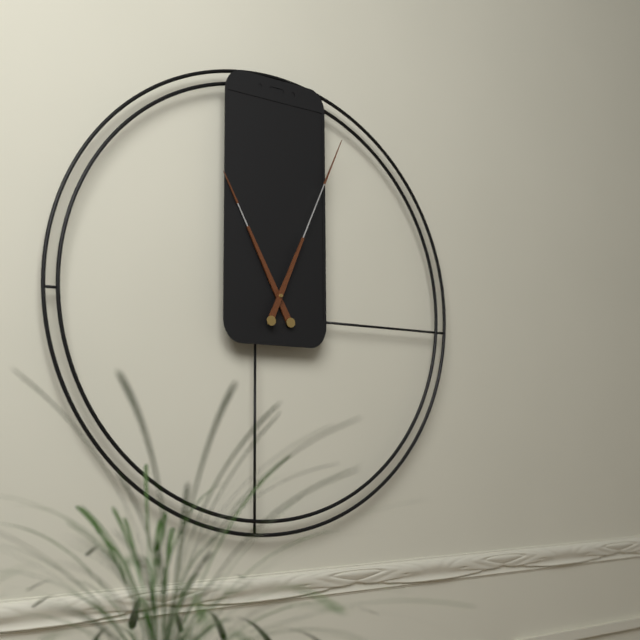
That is 11.04
